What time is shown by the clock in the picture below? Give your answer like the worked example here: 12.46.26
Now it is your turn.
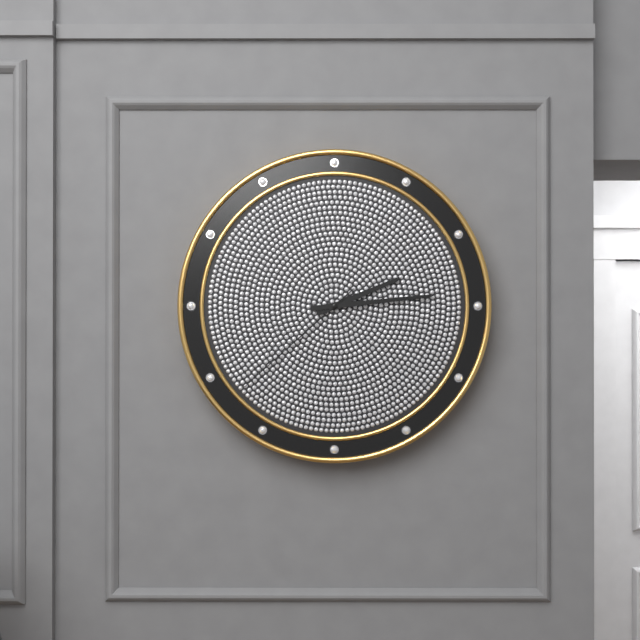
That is 2.14.38
